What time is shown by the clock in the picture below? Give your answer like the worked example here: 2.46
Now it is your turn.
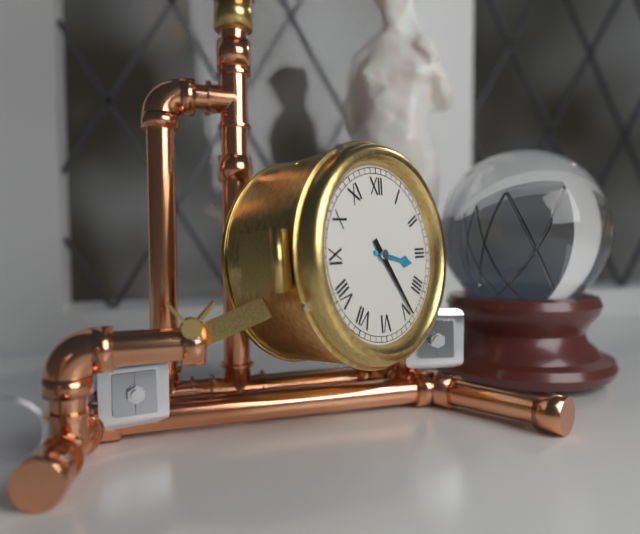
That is 3.24
